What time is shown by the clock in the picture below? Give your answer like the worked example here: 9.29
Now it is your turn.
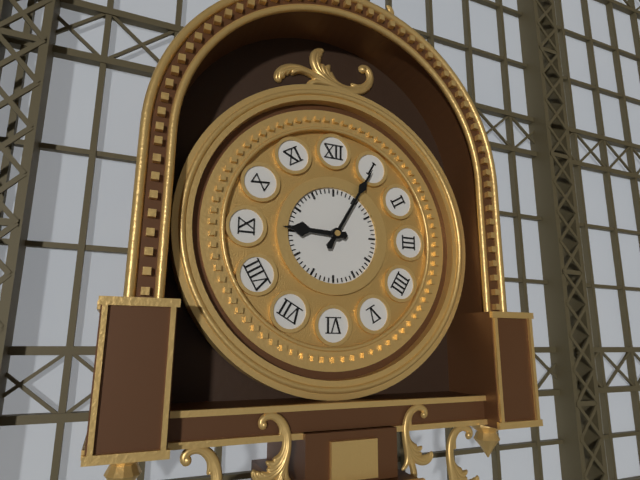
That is 9.05
